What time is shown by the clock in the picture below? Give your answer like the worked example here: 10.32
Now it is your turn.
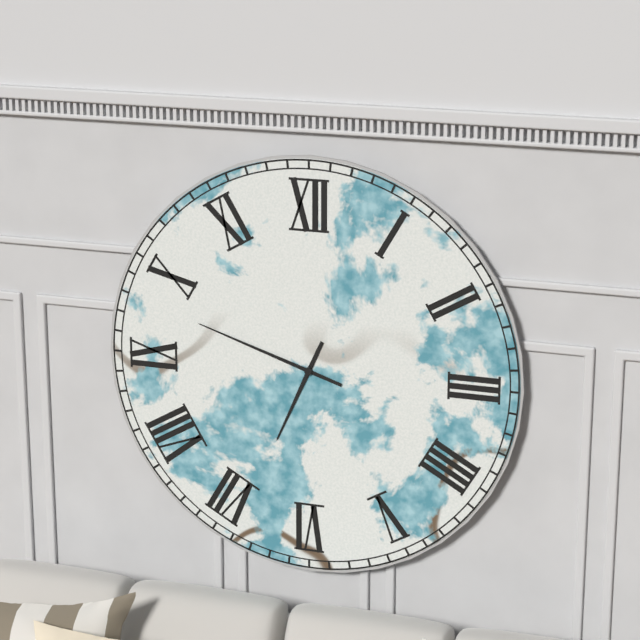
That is 6.48
